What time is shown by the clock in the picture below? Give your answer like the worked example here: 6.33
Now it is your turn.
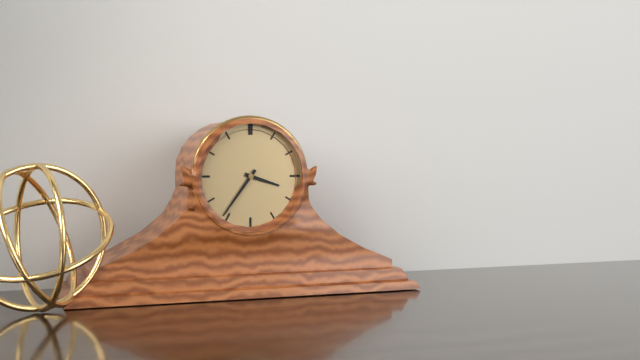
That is 3.36
